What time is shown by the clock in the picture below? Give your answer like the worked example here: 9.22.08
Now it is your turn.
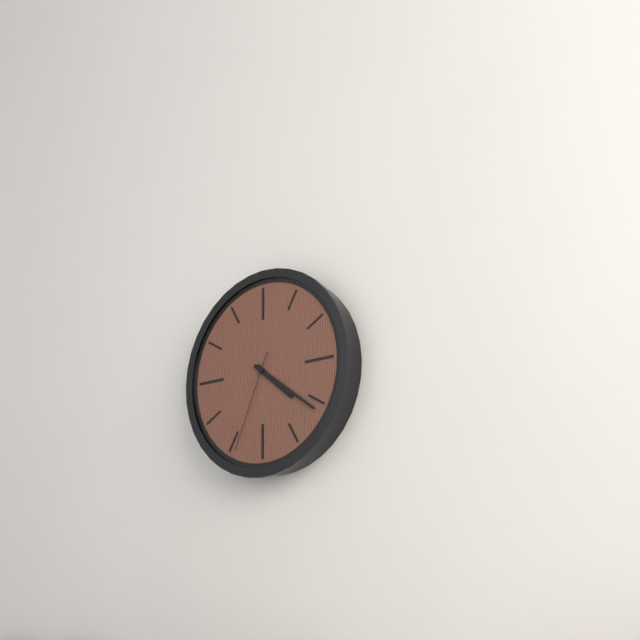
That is 4.21.34
